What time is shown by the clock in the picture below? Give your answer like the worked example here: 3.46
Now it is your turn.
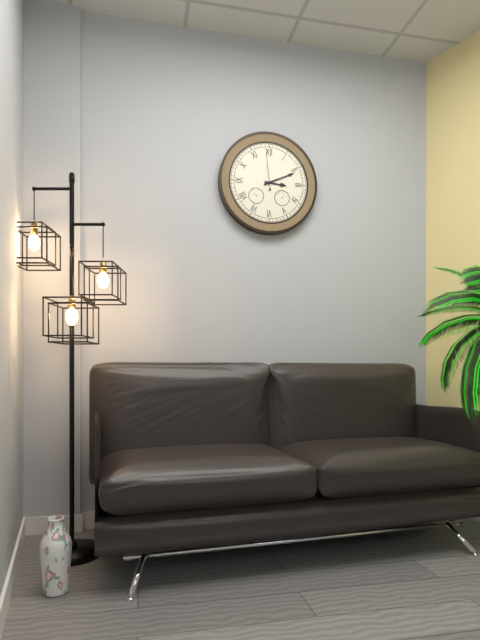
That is 3.11
